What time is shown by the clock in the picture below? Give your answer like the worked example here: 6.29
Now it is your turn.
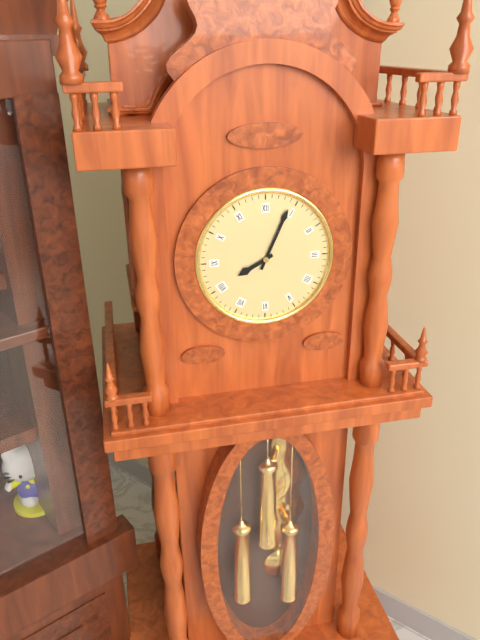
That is 8.04
